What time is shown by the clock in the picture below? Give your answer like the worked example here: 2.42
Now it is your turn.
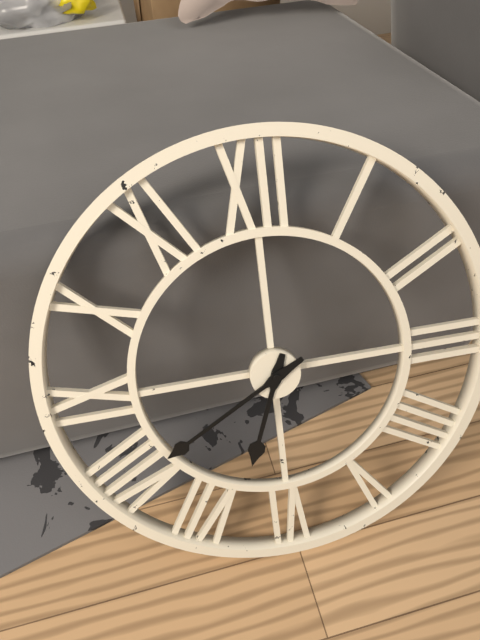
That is 6.40
